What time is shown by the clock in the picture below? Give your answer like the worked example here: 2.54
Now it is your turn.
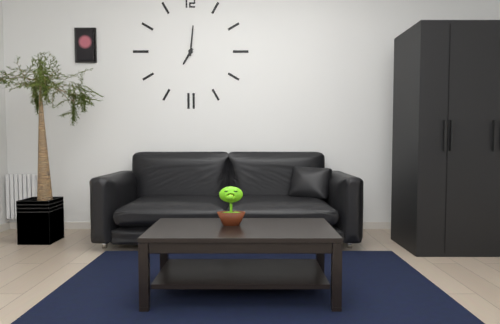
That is 7.01
